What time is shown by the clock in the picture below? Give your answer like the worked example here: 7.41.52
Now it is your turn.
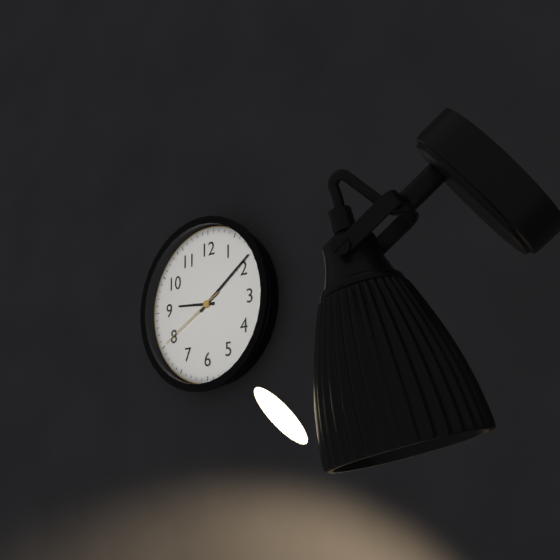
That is 9.09.40
